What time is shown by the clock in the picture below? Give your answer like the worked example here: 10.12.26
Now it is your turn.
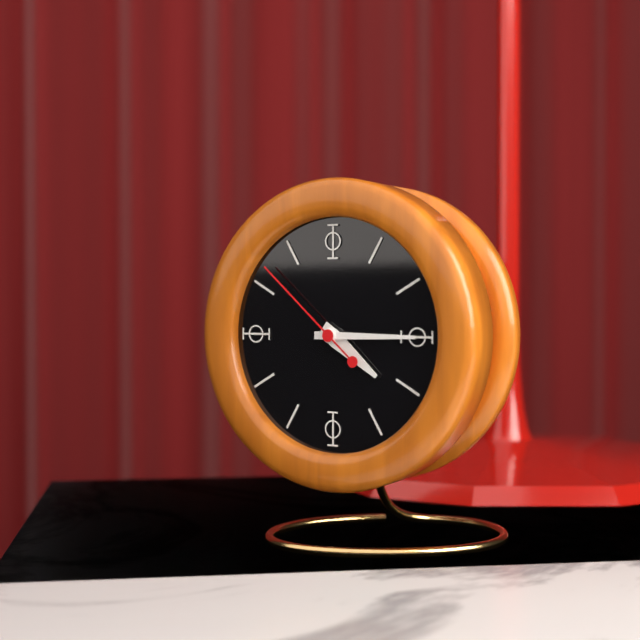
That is 4.15.52
